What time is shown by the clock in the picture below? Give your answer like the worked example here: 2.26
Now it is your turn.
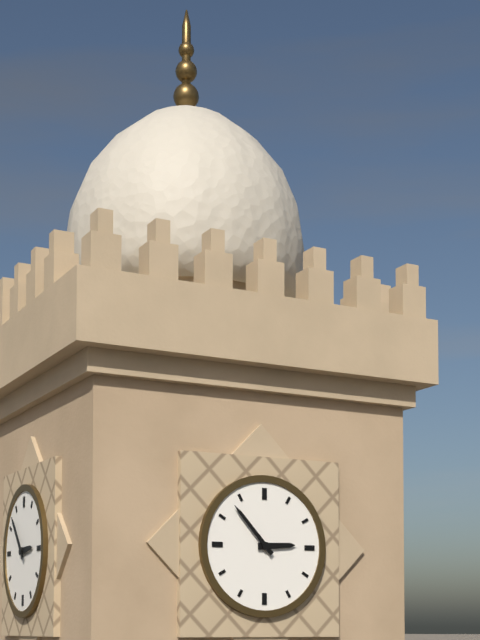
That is 2.53
